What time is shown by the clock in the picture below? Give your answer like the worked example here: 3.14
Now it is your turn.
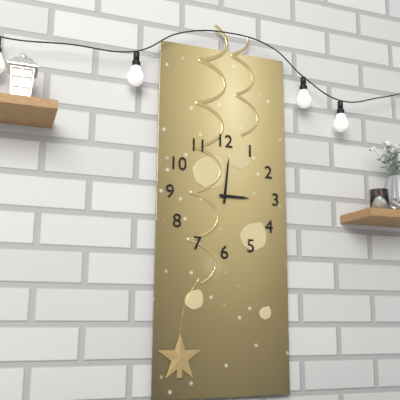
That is 3.01
